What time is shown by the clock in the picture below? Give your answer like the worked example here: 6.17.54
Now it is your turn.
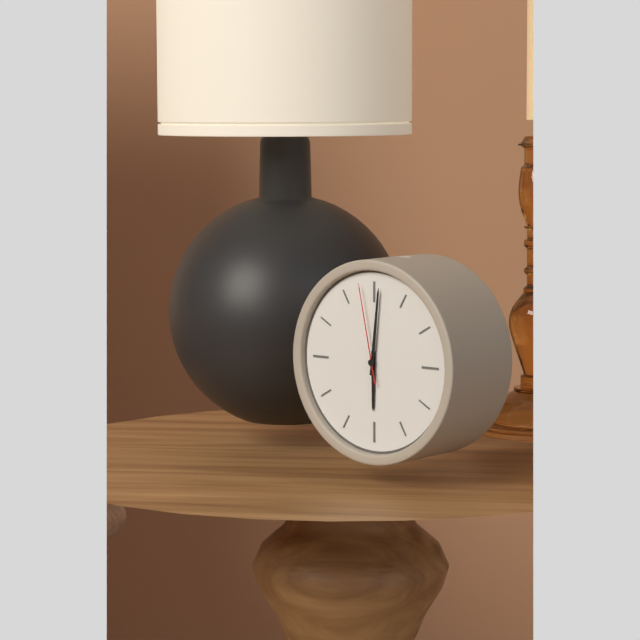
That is 6.01.58
